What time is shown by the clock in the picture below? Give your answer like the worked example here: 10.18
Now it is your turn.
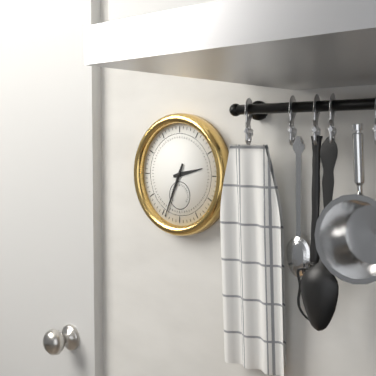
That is 2.34
